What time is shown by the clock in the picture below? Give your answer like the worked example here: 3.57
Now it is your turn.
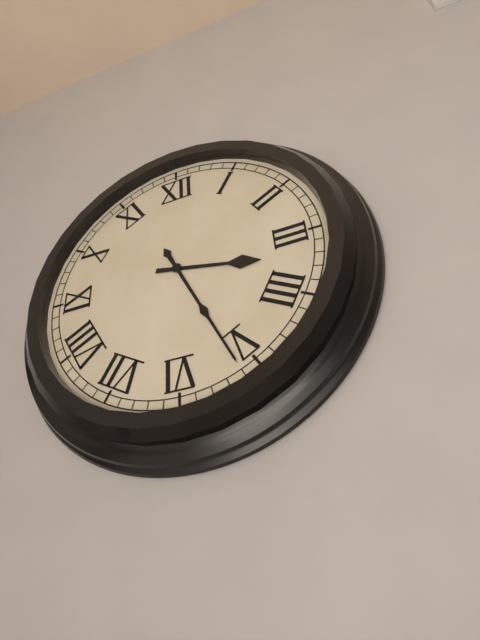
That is 3.26
